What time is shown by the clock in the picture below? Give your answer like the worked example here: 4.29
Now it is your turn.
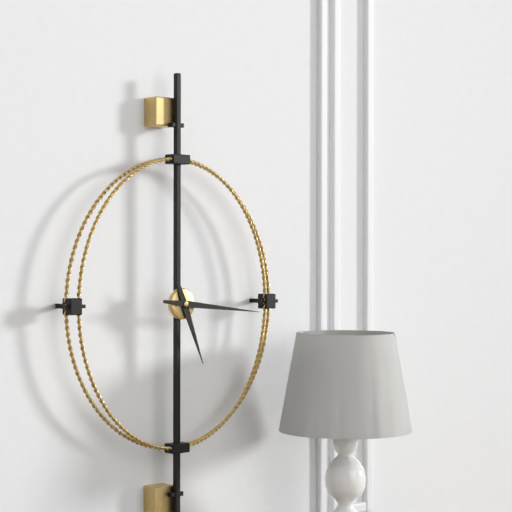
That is 5.16
